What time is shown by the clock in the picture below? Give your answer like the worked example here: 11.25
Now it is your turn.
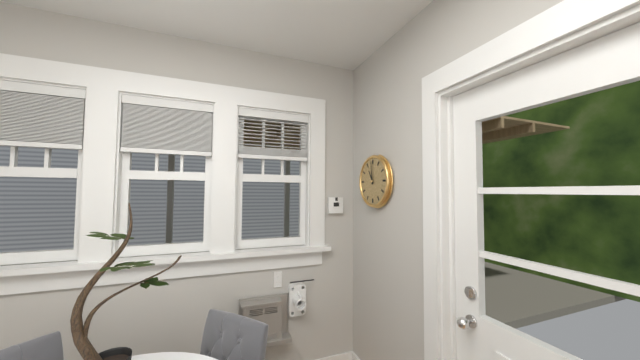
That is 10.59
